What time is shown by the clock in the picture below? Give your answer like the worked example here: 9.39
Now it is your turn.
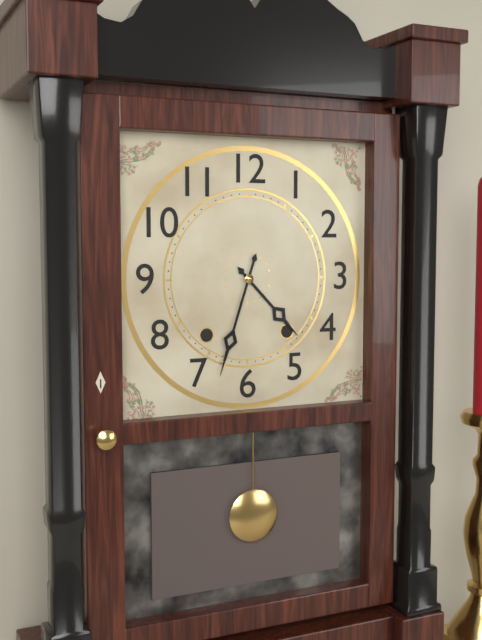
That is 4.33
